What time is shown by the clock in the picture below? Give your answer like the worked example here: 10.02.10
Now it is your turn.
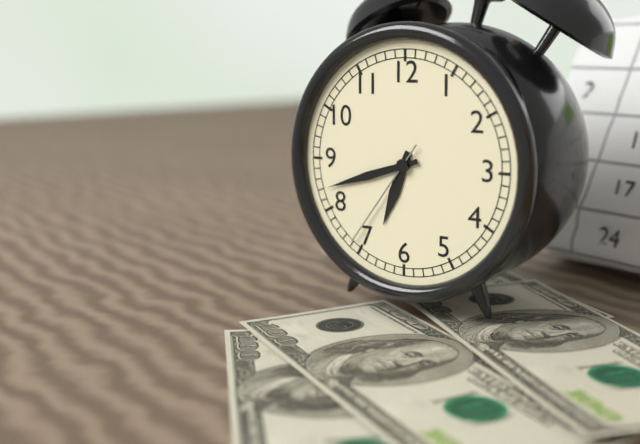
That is 6.42.36
